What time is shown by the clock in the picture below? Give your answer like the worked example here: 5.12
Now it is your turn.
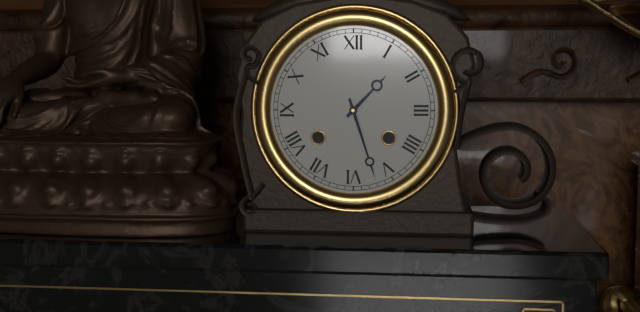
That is 1.27
